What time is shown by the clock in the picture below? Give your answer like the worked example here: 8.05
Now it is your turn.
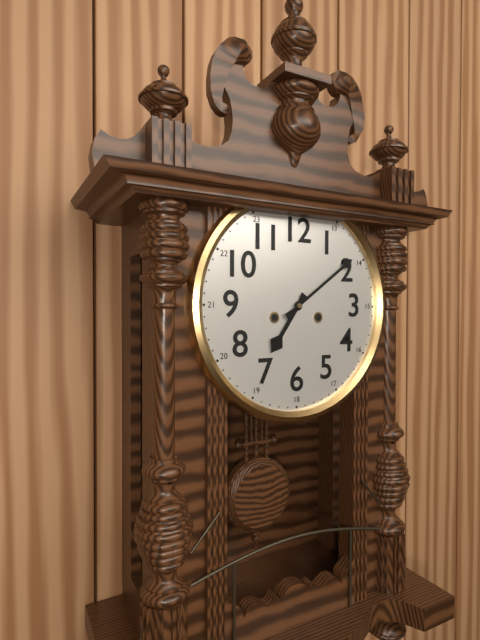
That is 7.09
